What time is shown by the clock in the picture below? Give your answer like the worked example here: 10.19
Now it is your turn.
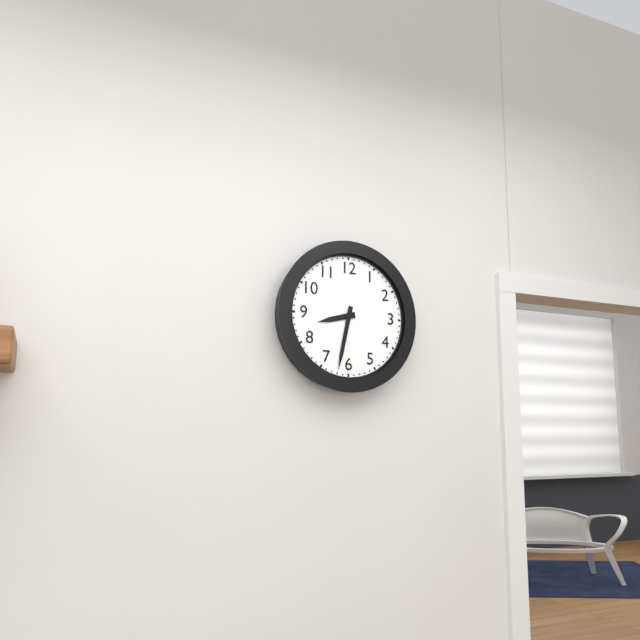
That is 8.32
